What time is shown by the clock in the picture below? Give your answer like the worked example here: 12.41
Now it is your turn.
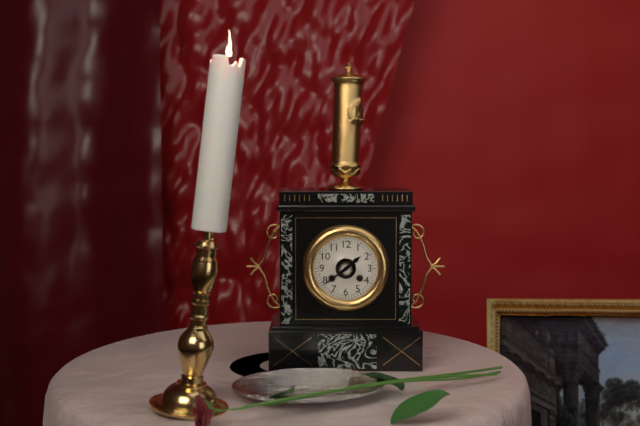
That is 1.39
